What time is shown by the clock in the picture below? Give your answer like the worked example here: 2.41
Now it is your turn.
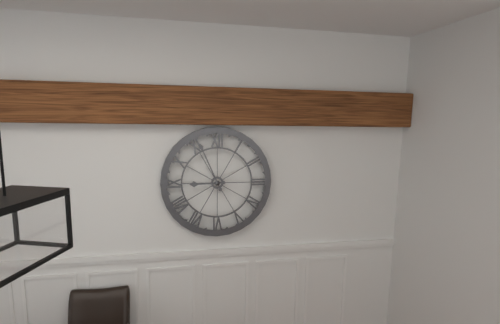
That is 8.56
